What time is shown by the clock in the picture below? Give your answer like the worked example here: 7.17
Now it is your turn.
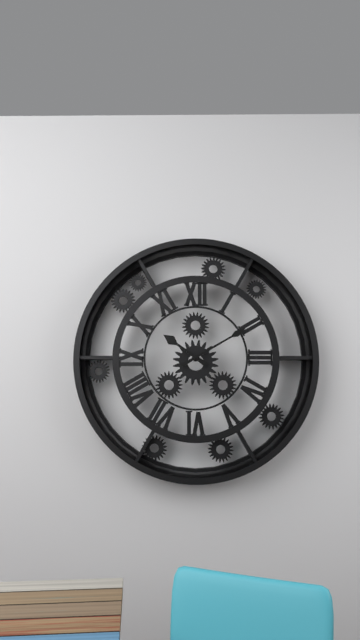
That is 10.10
